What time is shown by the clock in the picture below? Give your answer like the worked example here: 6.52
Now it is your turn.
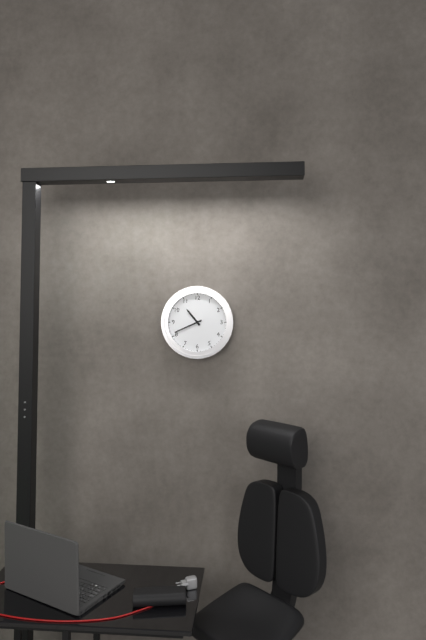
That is 10.41
